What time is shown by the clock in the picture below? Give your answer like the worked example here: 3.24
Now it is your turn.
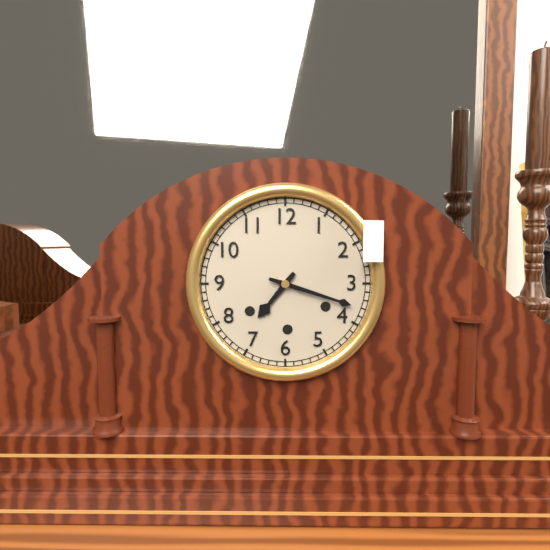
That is 7.18
